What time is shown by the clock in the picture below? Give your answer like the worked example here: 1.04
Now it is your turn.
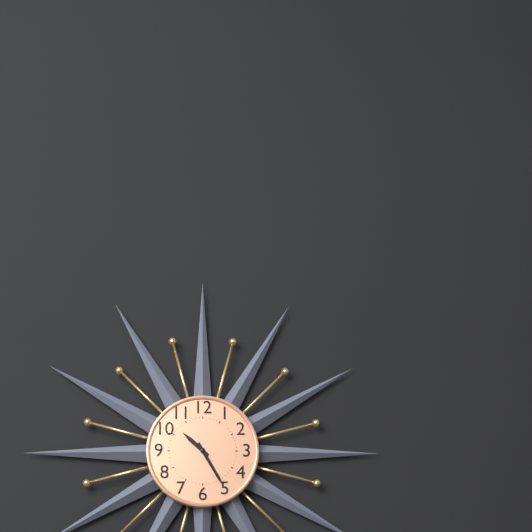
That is 10.25
